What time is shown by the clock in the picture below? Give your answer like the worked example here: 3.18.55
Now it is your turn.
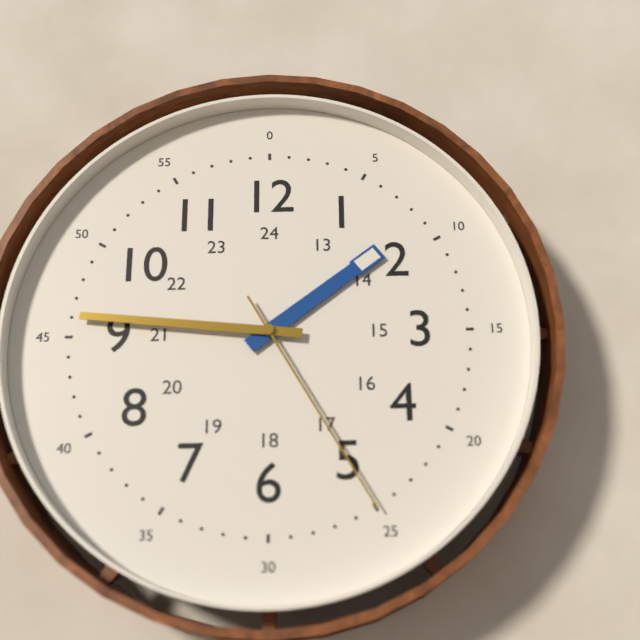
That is 1.46.25
